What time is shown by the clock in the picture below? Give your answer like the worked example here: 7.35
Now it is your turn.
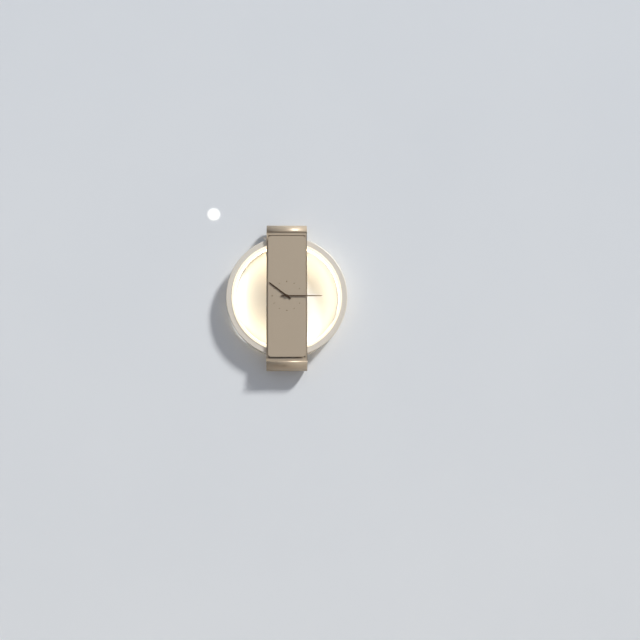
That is 10.15
